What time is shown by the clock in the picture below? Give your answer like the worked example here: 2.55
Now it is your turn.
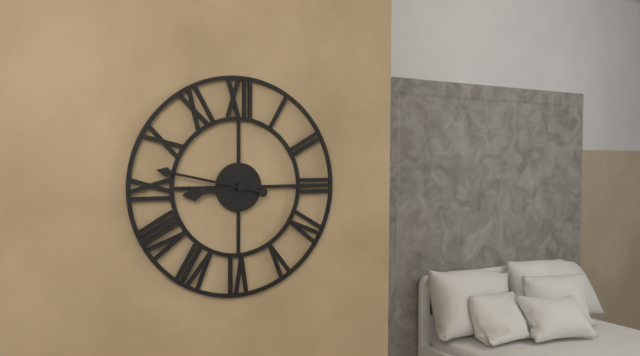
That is 8.47
